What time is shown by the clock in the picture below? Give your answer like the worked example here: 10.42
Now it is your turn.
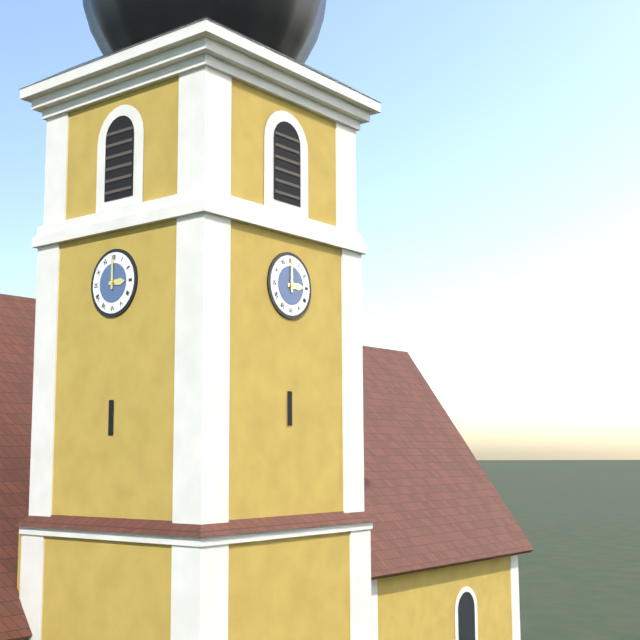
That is 3.00
